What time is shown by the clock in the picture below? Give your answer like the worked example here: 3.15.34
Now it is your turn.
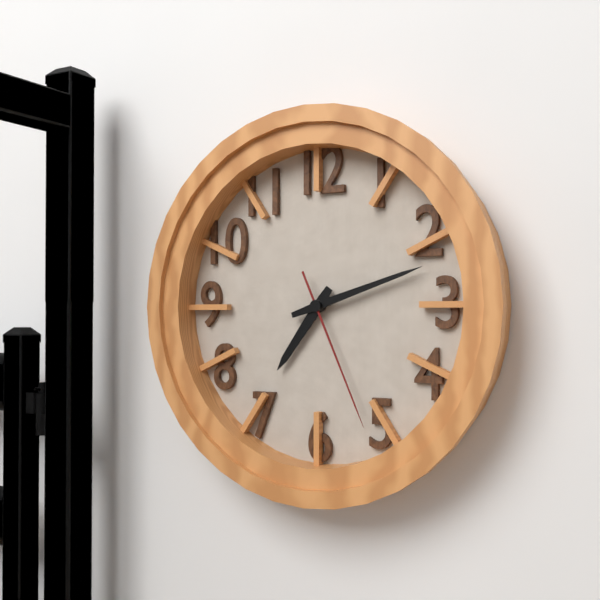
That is 7.12.26
